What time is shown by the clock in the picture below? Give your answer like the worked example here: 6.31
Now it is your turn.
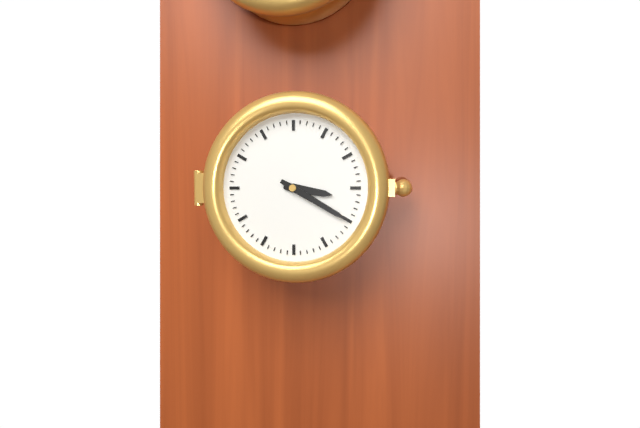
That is 3.20
